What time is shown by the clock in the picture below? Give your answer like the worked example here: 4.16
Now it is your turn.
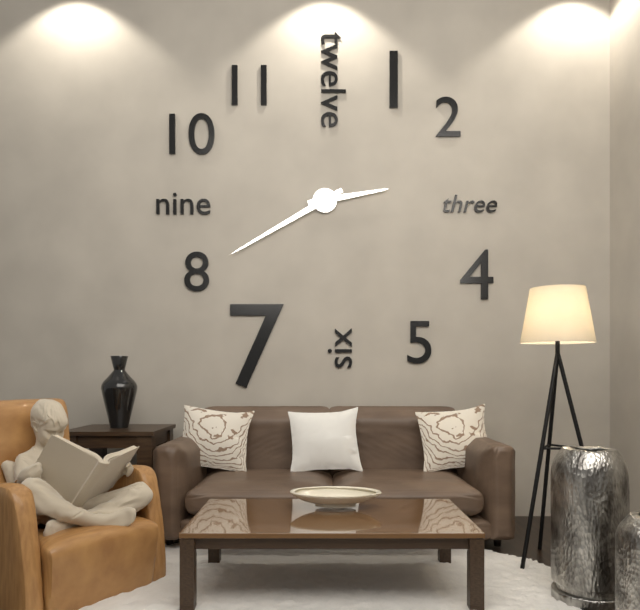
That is 2.40
